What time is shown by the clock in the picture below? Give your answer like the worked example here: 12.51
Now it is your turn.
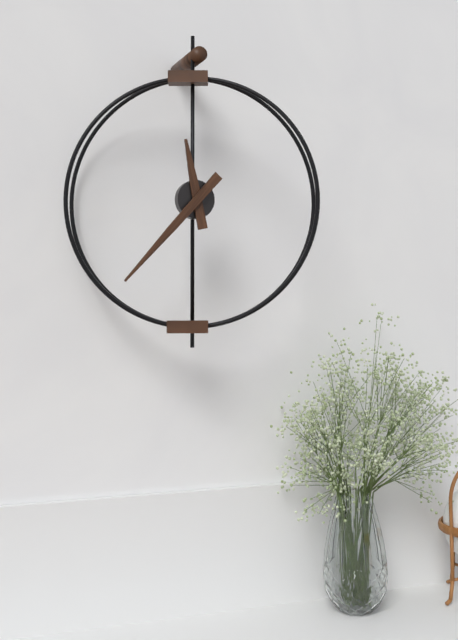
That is 11.37
